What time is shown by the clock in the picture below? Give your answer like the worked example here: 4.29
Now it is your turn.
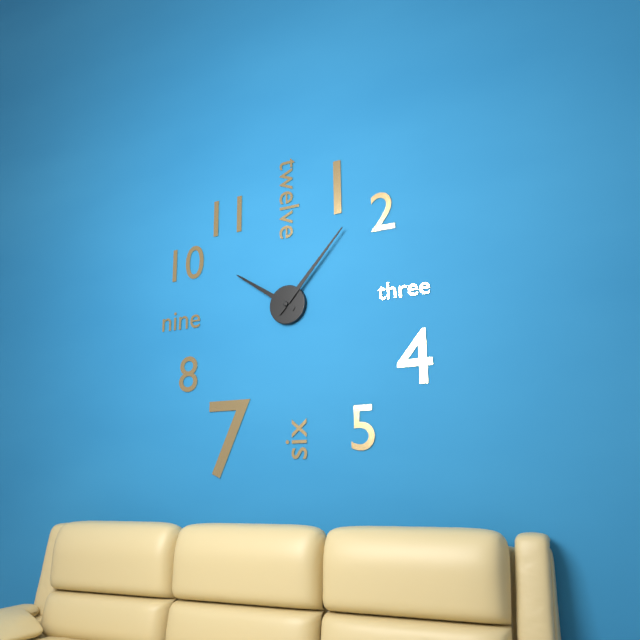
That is 10.07
